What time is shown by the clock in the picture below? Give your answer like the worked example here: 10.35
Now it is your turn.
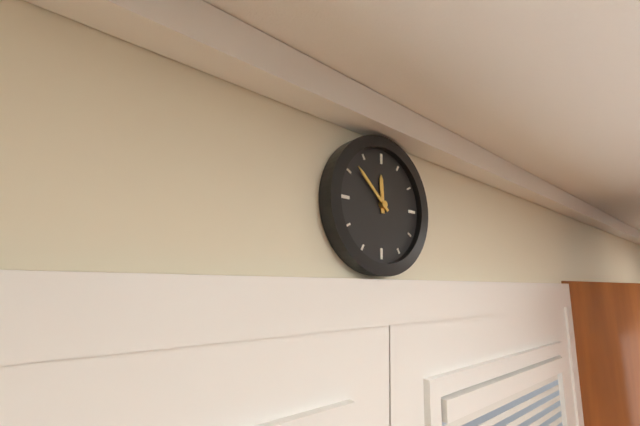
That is 11.52
